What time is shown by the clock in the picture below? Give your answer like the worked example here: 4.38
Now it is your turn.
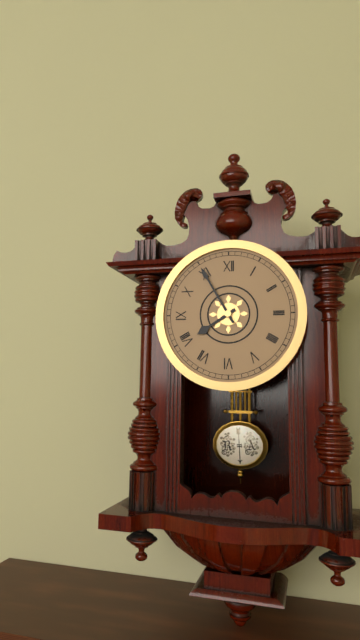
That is 7.55
